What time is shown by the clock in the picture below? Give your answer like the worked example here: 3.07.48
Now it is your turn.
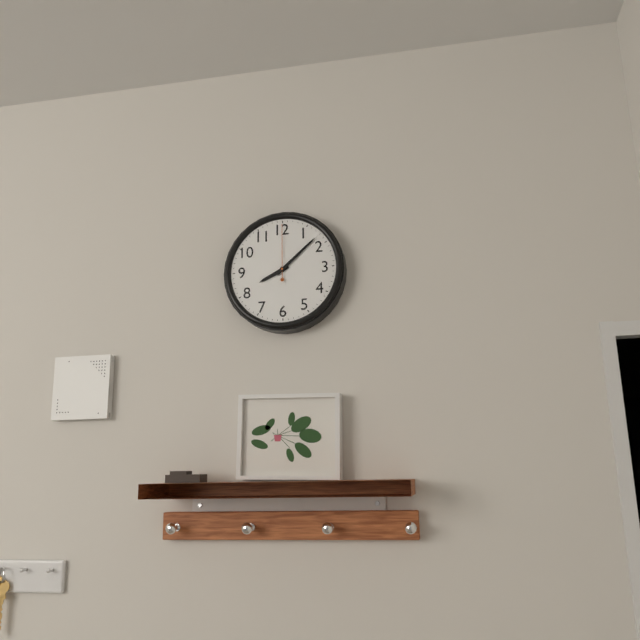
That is 8.08.00
